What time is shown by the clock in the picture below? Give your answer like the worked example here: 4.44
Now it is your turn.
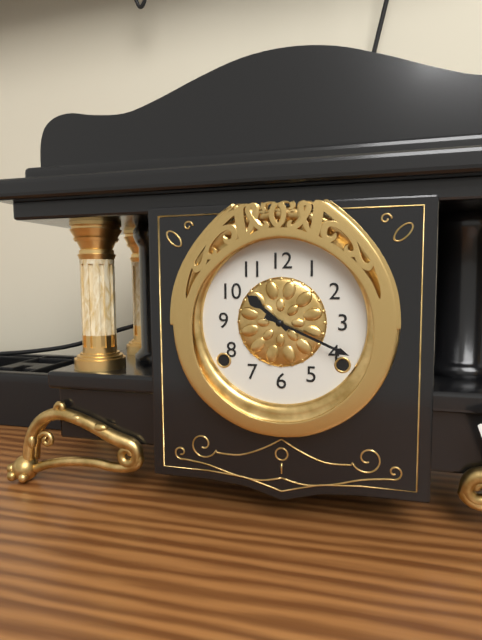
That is 10.19
